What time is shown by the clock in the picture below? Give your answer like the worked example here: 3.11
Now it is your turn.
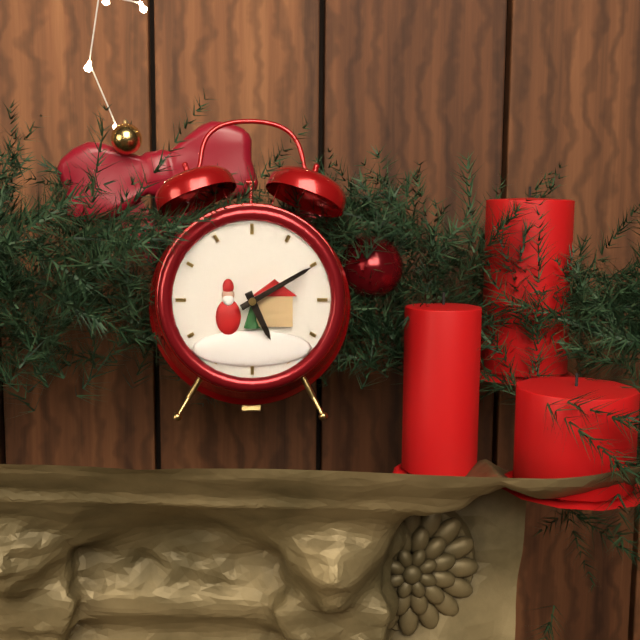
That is 5.10
